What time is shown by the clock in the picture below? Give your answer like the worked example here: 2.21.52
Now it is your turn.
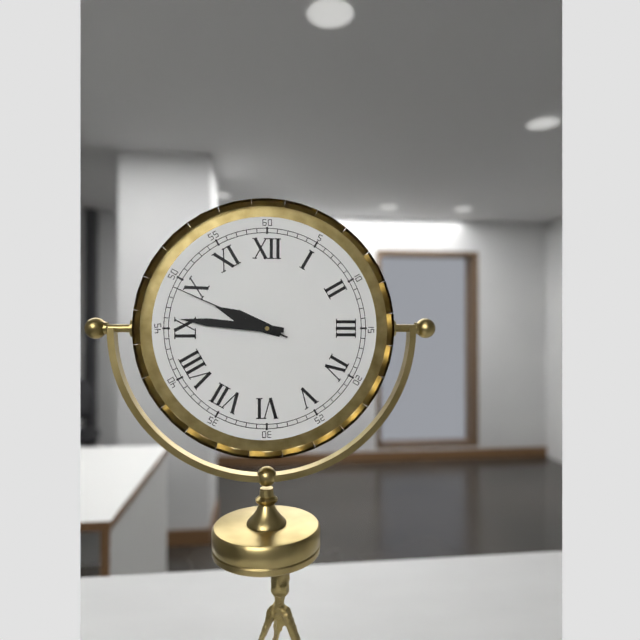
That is 9.46.49
